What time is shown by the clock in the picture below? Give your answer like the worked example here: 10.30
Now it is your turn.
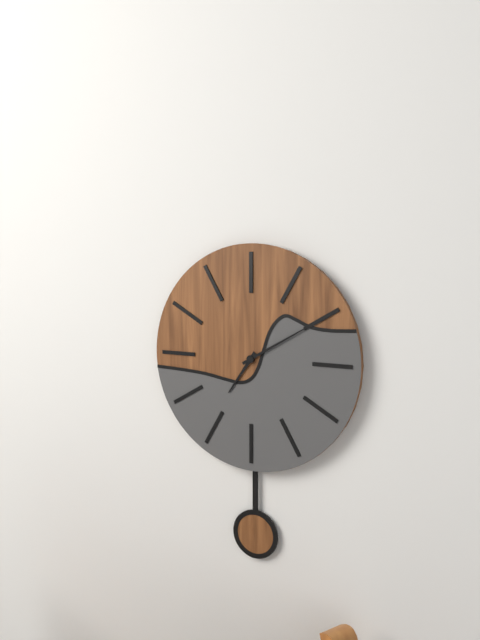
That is 7.10
